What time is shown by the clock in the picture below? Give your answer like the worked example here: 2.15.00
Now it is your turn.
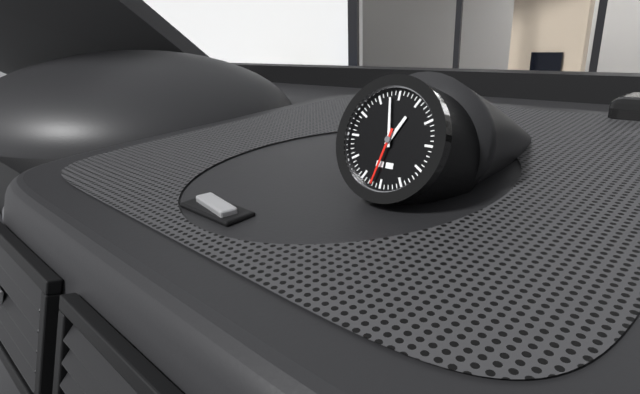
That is 12.58.32
